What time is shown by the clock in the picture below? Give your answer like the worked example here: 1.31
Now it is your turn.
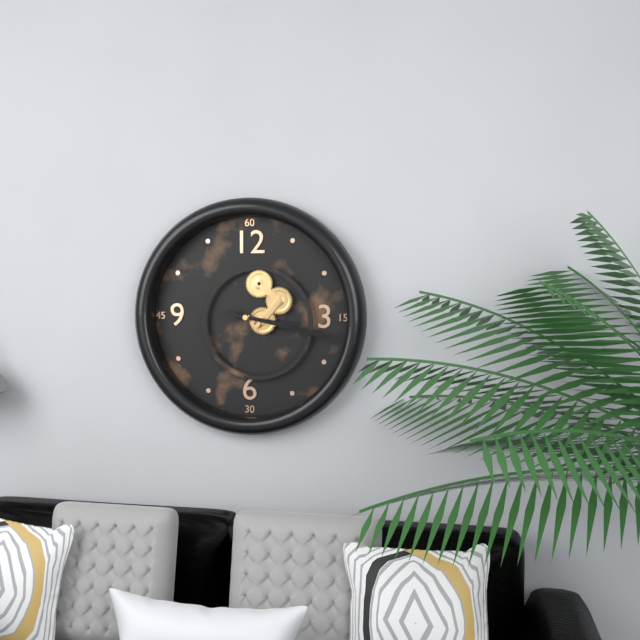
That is 3.17
